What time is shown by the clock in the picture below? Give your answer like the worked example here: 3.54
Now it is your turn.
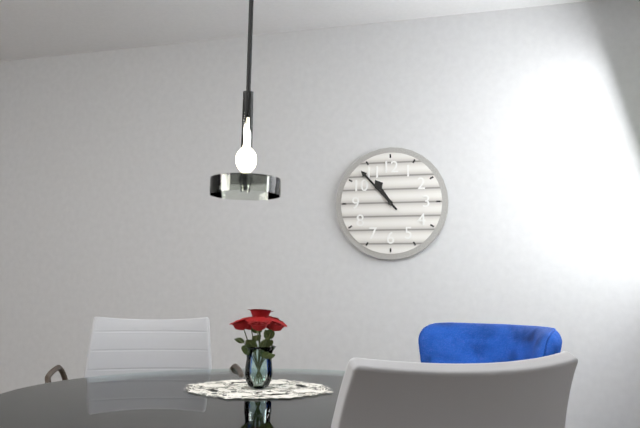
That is 10.53
